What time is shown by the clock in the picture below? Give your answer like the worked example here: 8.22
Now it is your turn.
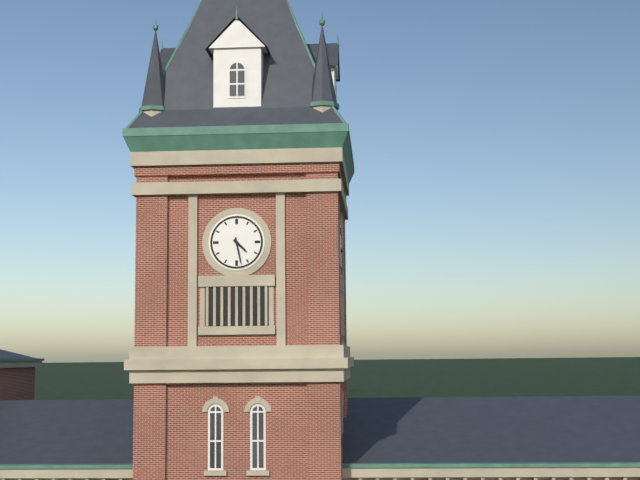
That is 4.28
